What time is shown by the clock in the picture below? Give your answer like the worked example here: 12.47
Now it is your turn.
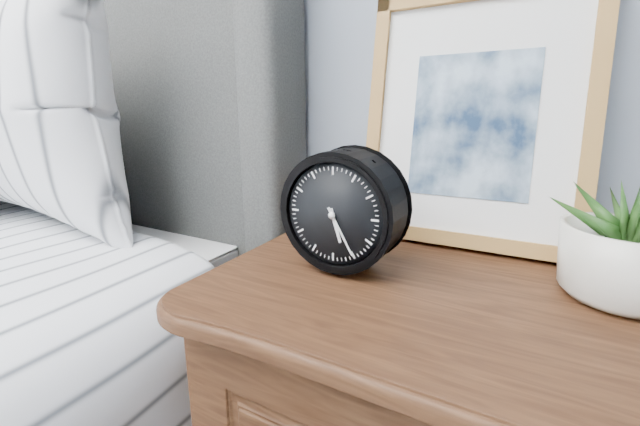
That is 5.25
